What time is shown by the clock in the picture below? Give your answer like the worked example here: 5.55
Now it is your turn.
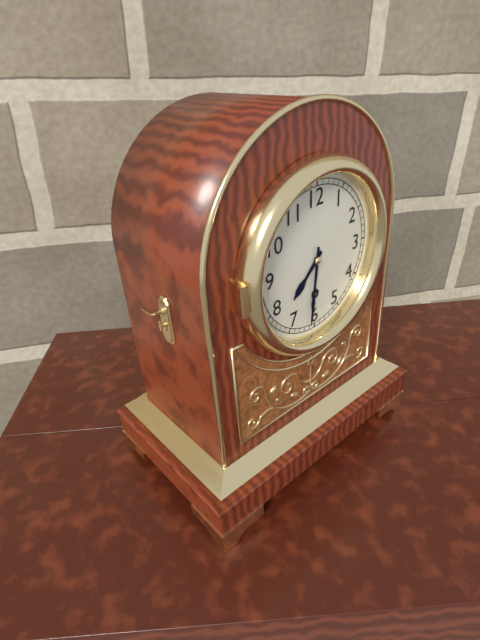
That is 7.31
